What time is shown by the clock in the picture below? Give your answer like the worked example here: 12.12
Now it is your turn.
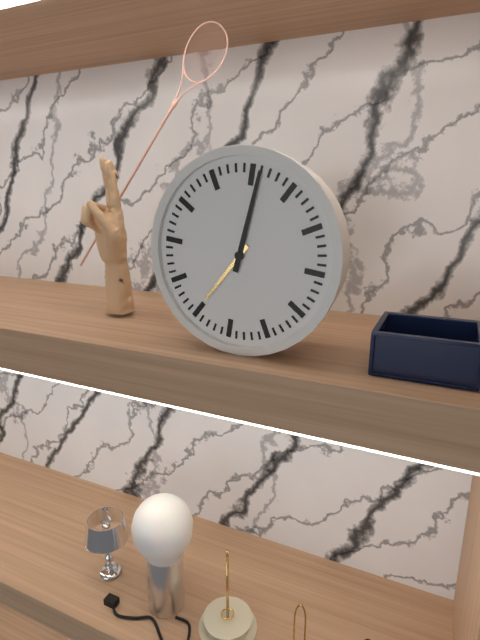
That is 7.01
